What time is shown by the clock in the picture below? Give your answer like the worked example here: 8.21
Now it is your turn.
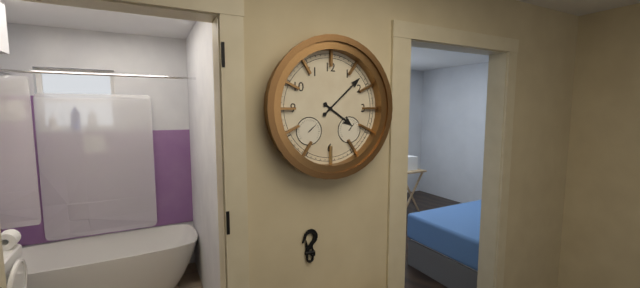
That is 4.08
